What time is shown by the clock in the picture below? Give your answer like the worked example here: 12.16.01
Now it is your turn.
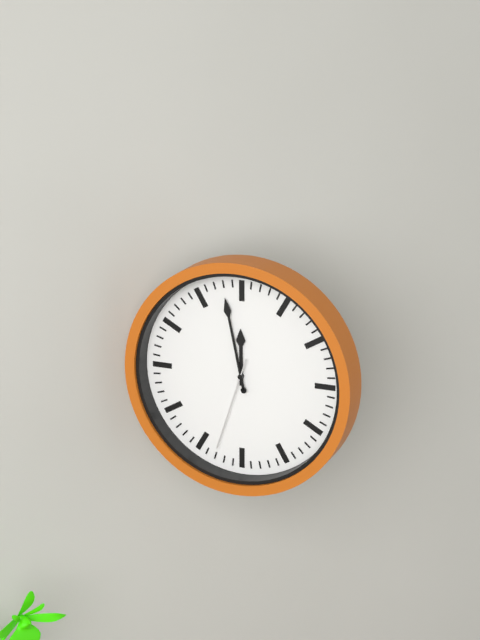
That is 11.58.33
